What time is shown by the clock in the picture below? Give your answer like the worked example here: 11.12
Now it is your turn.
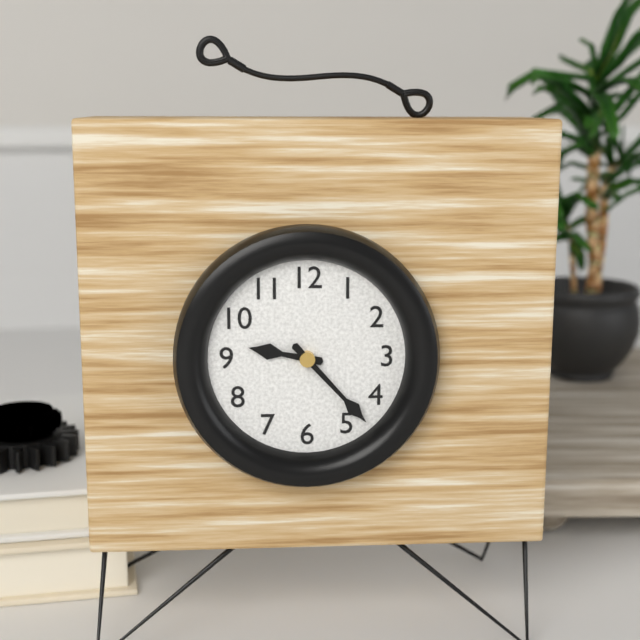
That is 9.23
